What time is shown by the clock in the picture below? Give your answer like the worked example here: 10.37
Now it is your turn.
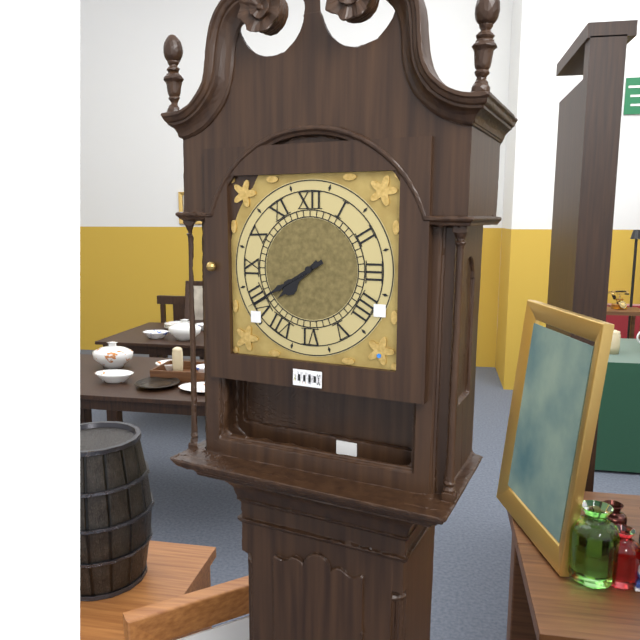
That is 7.40
